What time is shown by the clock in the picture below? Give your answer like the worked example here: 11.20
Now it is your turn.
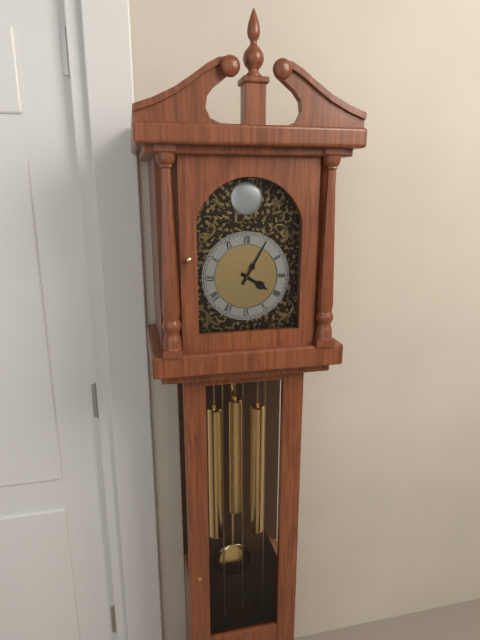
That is 4.05
